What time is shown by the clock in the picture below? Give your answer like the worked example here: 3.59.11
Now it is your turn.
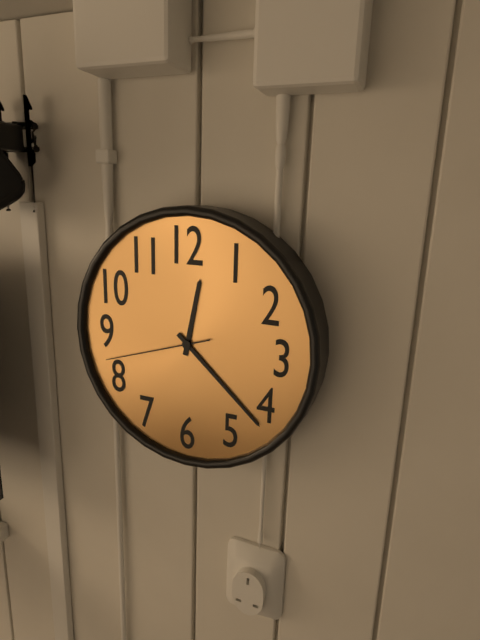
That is 12.22.42
